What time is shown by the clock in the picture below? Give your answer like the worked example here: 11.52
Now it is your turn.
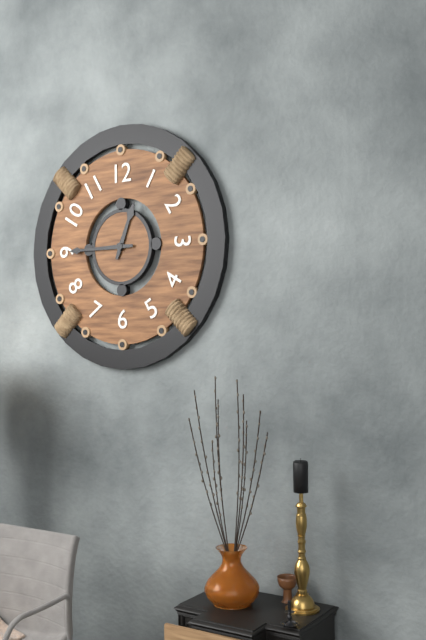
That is 12.45
